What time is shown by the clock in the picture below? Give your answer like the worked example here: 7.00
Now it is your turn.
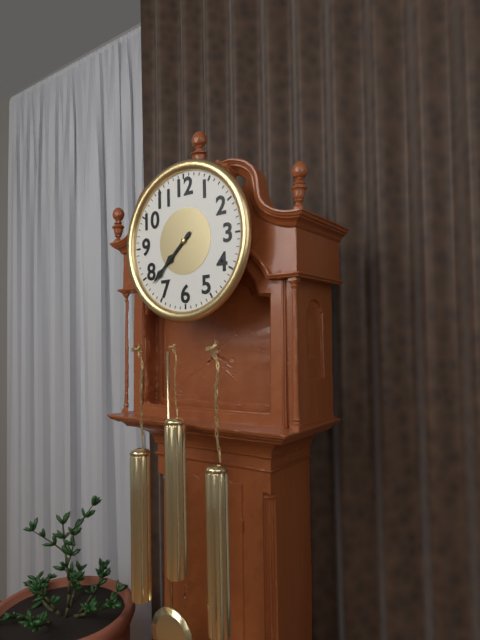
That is 7.38
